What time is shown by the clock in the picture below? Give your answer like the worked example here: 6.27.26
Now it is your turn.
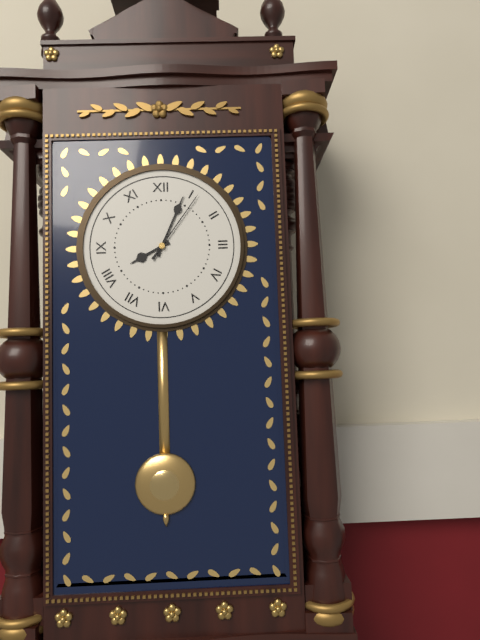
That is 8.04.06
